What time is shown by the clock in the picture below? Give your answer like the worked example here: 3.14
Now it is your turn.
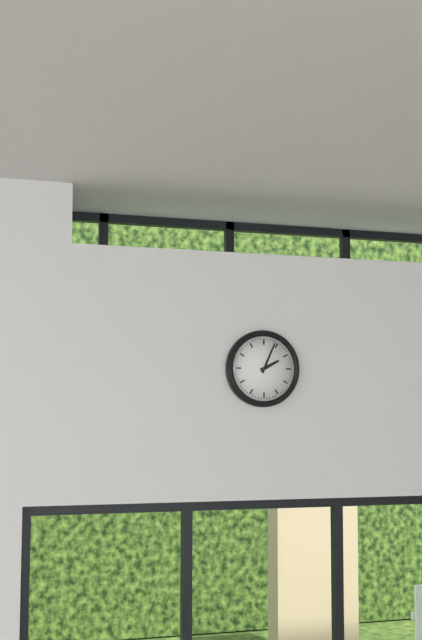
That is 2.04
